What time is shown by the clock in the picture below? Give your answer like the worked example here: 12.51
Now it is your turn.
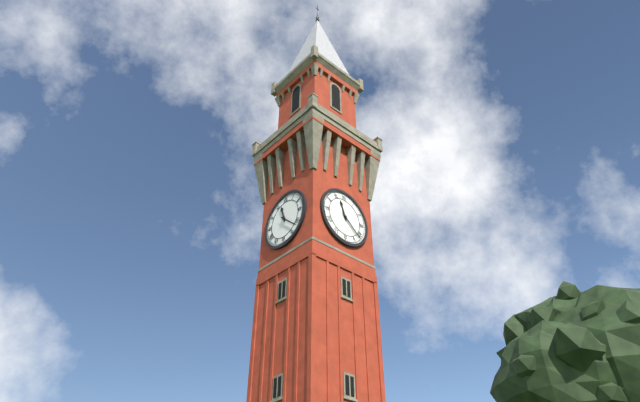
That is 11.22
